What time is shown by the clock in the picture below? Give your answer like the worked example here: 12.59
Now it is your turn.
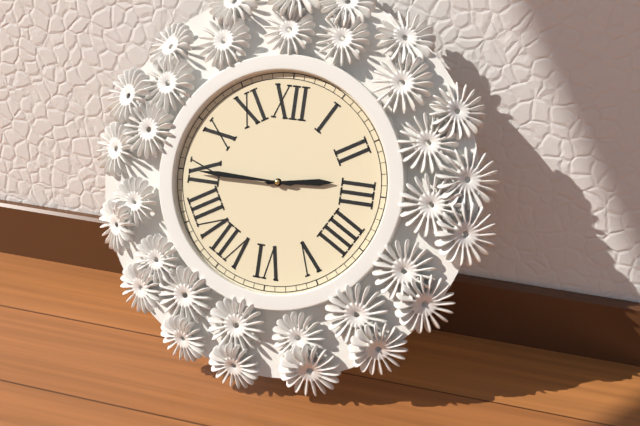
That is 2.45
